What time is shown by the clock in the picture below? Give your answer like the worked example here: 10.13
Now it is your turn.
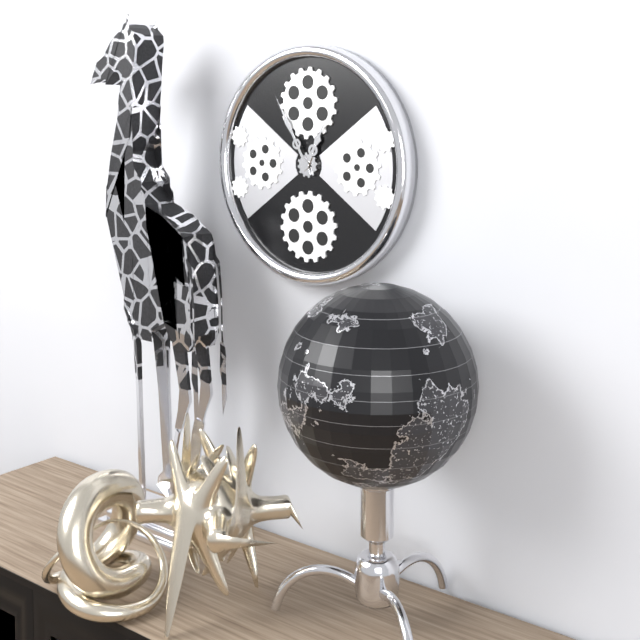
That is 12.55
